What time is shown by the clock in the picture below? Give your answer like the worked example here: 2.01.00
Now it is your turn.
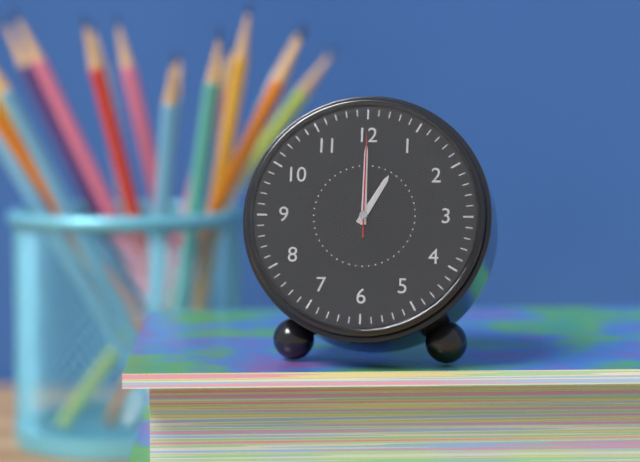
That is 1.00.00
